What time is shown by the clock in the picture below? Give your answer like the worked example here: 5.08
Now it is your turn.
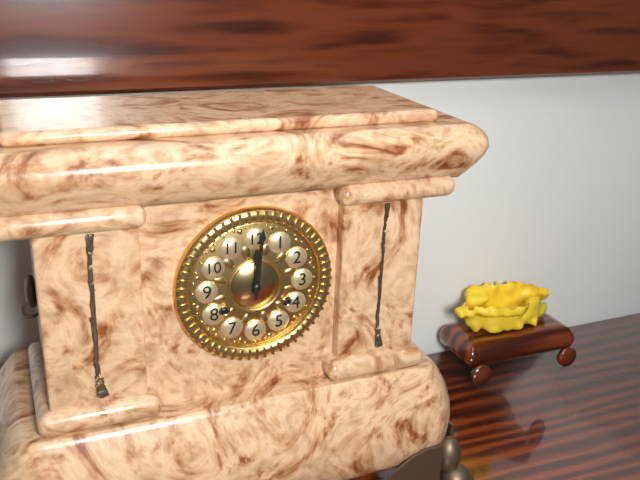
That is 12.01
